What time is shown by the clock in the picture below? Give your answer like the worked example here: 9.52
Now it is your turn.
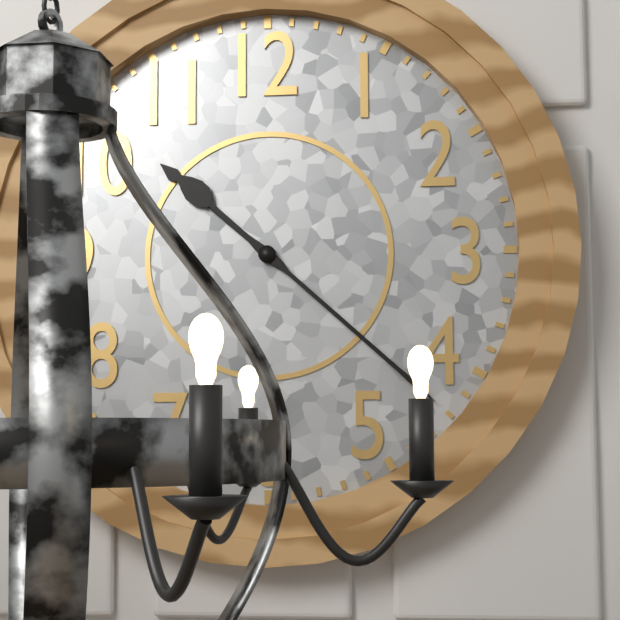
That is 10.22
